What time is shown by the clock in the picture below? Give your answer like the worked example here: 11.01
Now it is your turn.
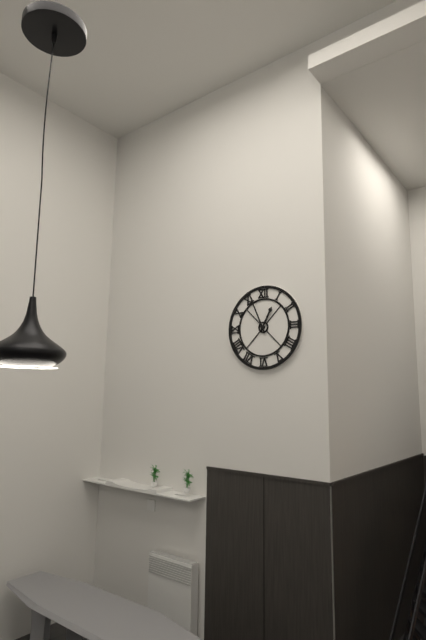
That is 12.56
